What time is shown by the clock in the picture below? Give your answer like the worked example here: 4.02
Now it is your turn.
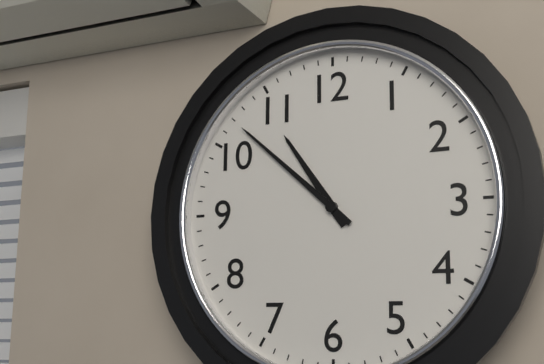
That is 10.52
